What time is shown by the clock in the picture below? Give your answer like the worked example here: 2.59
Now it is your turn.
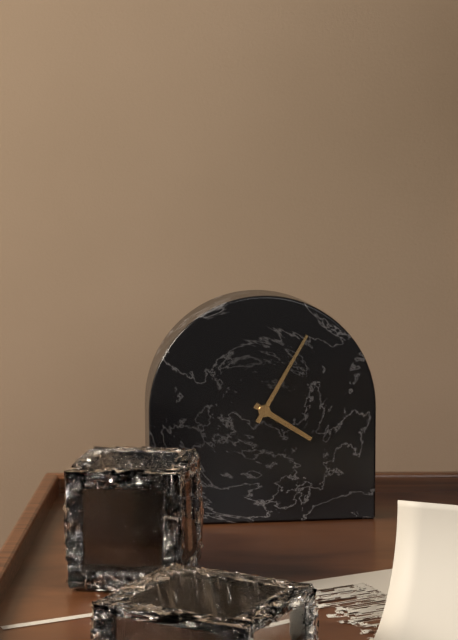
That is 4.05
